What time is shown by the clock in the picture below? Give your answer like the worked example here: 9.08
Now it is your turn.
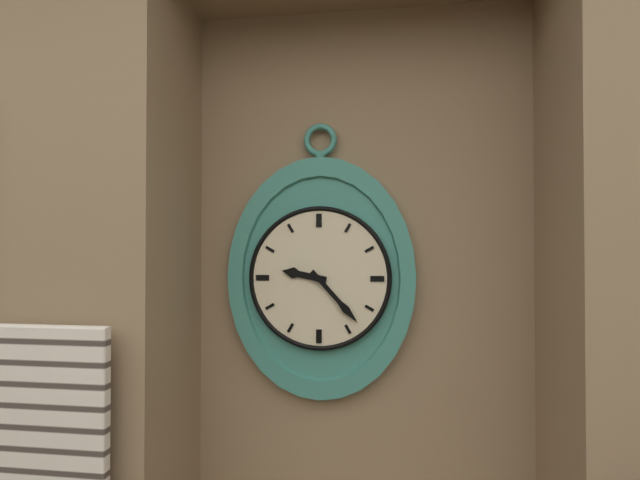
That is 9.23
